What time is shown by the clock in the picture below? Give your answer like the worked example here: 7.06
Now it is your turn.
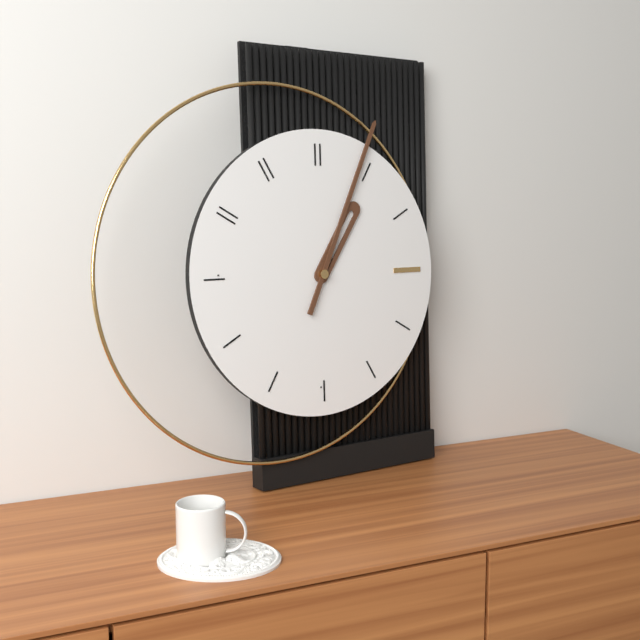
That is 1.04
